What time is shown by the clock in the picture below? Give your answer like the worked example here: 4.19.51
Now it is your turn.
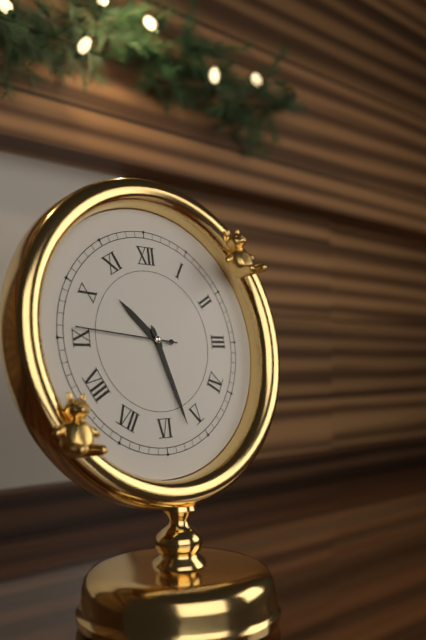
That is 10.27.46
